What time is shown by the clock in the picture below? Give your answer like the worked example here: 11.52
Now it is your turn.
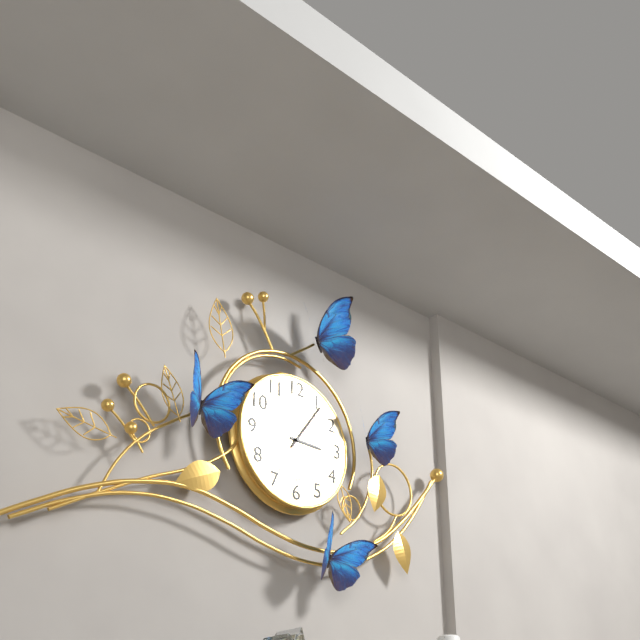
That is 3.06
